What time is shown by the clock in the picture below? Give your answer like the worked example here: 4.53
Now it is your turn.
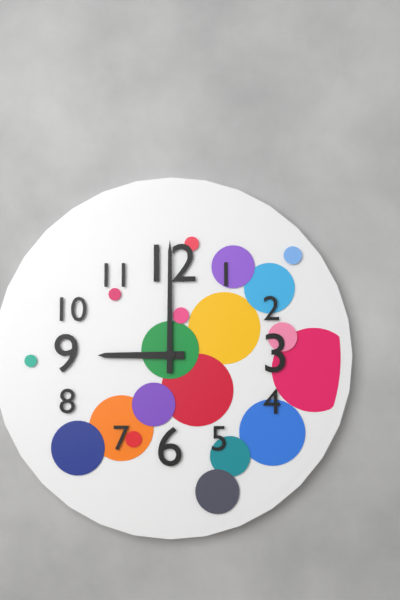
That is 9.00
